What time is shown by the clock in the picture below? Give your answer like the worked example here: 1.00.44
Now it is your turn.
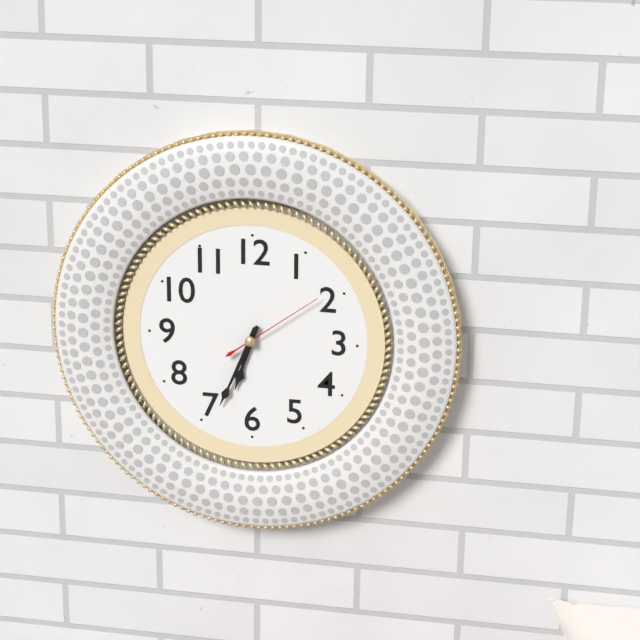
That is 6.34.09
